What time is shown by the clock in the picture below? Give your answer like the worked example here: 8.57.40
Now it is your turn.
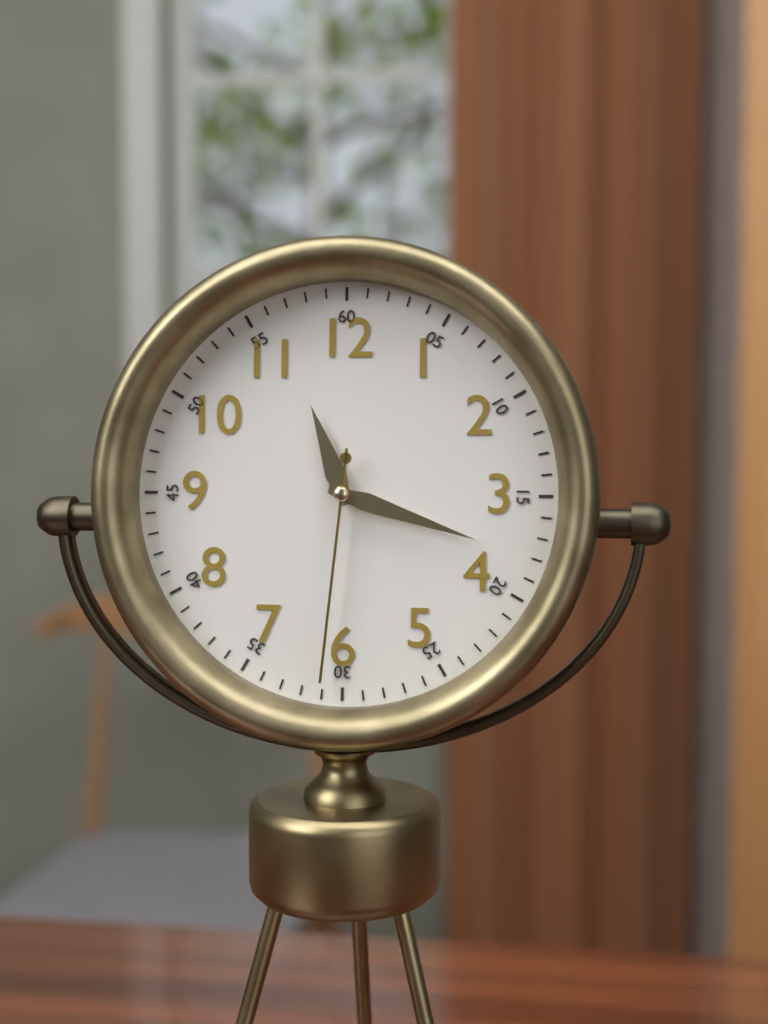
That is 11.18.31
